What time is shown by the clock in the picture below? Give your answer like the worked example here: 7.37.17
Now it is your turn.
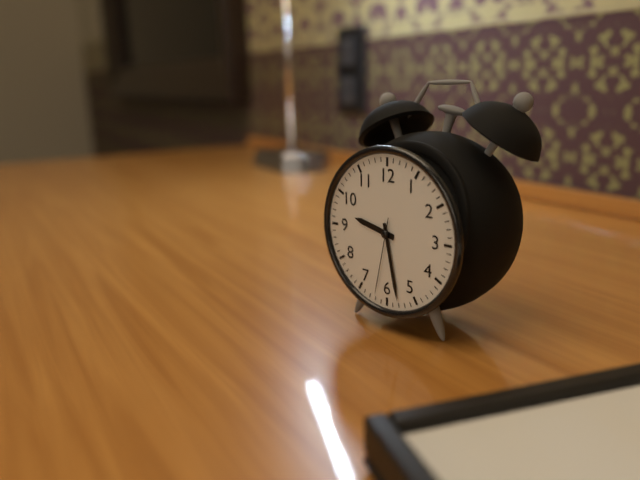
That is 9.28.32
